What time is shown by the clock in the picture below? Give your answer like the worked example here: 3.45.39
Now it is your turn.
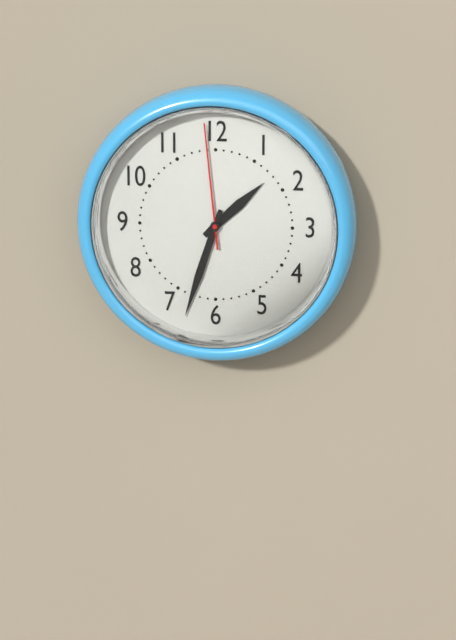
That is 1.33.59
